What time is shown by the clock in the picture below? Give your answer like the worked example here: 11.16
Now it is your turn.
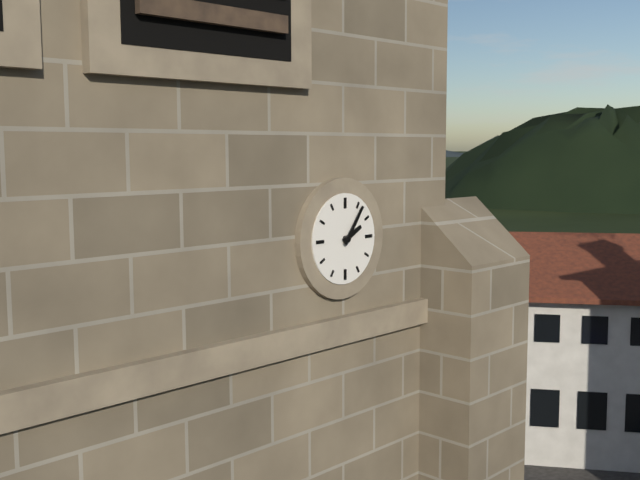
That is 2.06
